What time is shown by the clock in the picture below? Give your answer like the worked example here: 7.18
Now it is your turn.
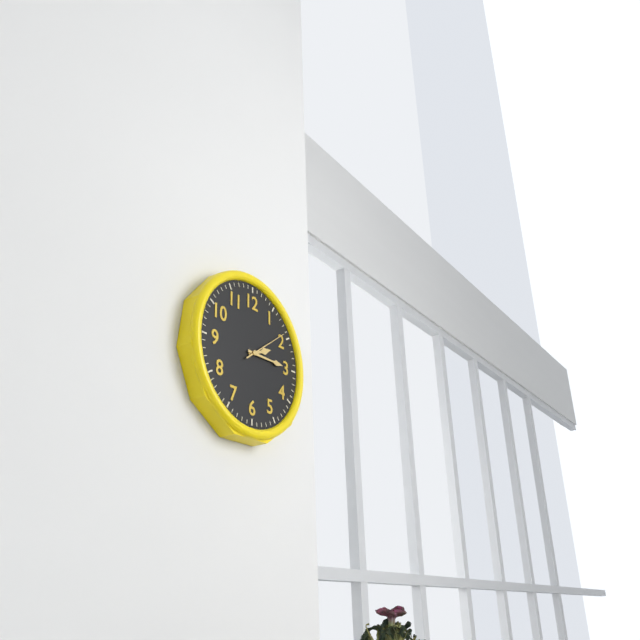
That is 2.15
